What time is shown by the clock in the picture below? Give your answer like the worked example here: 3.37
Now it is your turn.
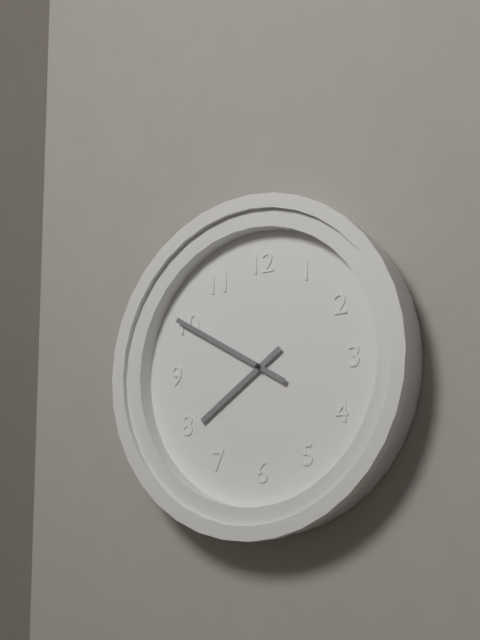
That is 7.50
